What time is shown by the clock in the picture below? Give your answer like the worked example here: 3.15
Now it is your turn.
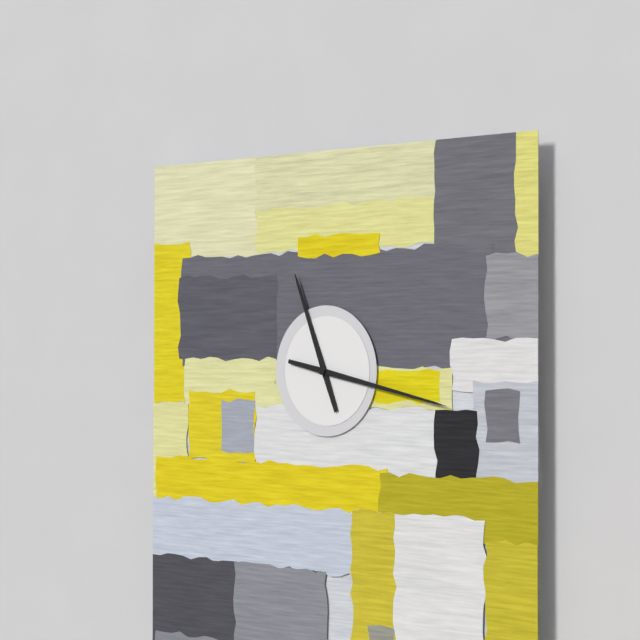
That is 11.17
